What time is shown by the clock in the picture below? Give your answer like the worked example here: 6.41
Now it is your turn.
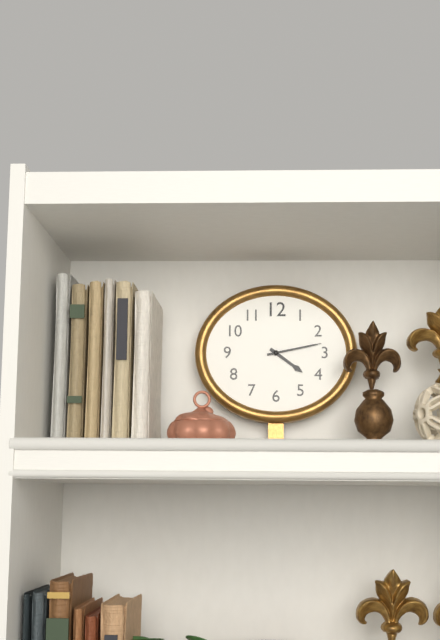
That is 4.13
